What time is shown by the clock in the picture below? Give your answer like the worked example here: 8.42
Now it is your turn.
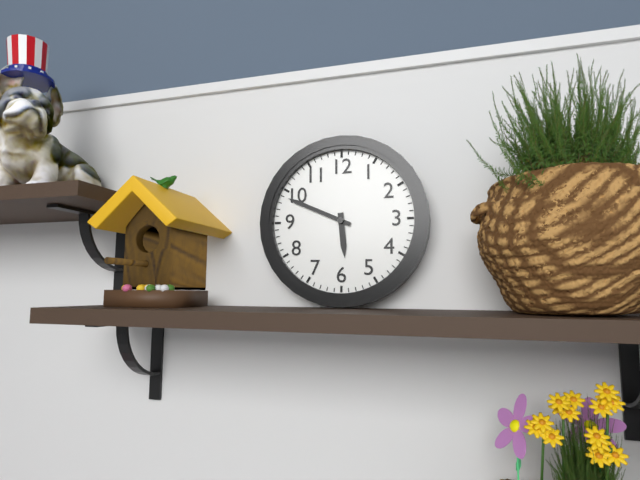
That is 5.49
